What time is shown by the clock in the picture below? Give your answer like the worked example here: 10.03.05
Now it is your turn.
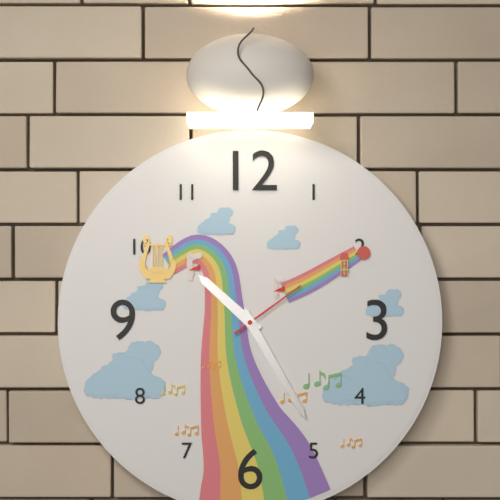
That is 10.25.09
